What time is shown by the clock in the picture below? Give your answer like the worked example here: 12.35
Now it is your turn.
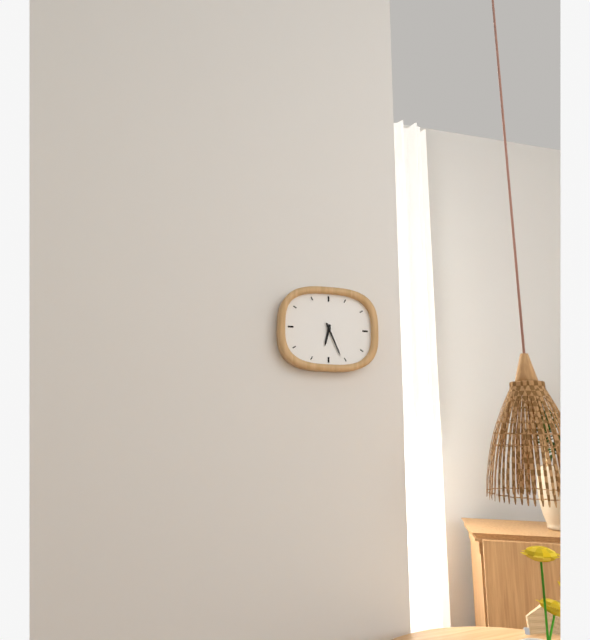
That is 6.26
